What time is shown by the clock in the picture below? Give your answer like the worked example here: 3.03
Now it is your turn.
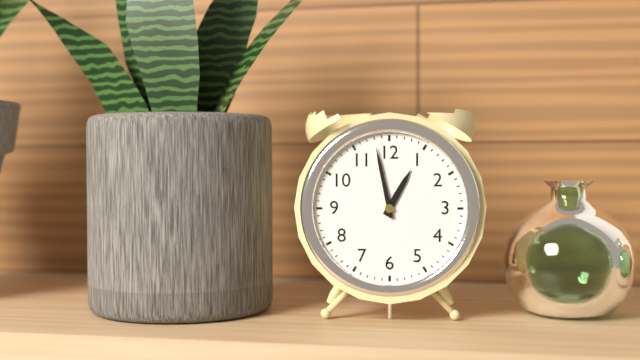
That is 12.58
